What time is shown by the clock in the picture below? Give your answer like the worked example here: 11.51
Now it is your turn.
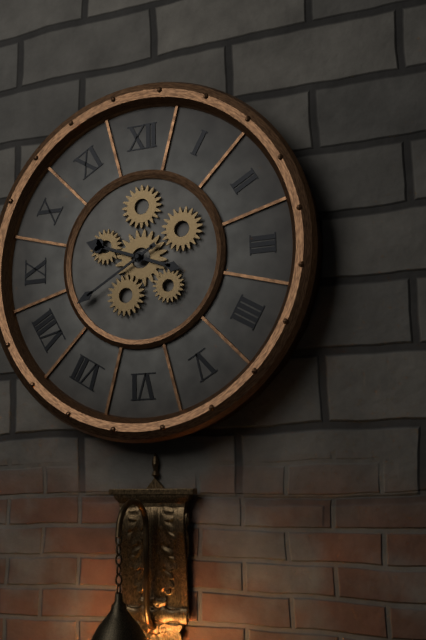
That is 9.40
